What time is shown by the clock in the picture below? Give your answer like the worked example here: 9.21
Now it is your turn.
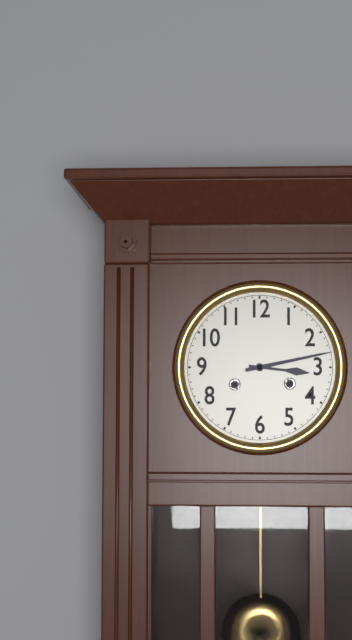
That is 3.13
